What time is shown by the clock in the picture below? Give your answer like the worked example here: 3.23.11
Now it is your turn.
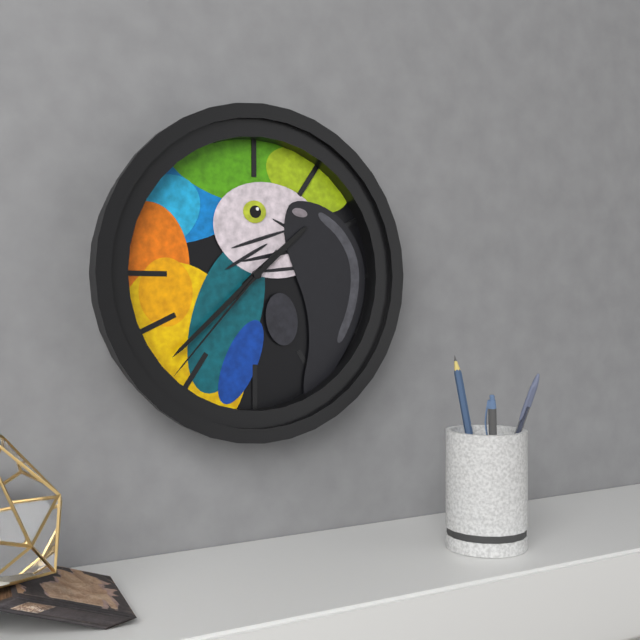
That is 1.38.37
